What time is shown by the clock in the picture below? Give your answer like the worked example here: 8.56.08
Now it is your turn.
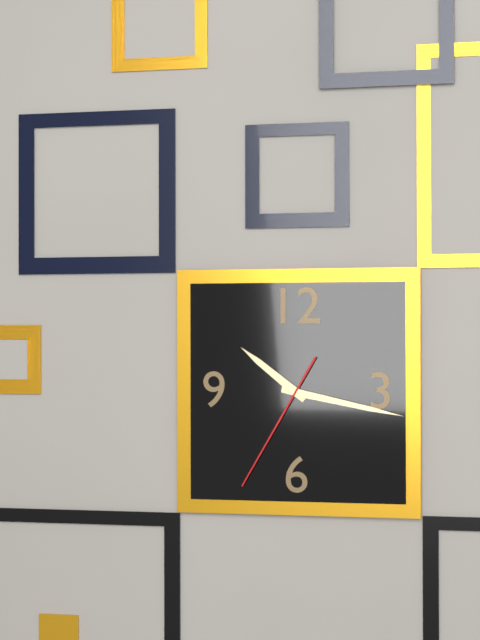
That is 10.17.35
